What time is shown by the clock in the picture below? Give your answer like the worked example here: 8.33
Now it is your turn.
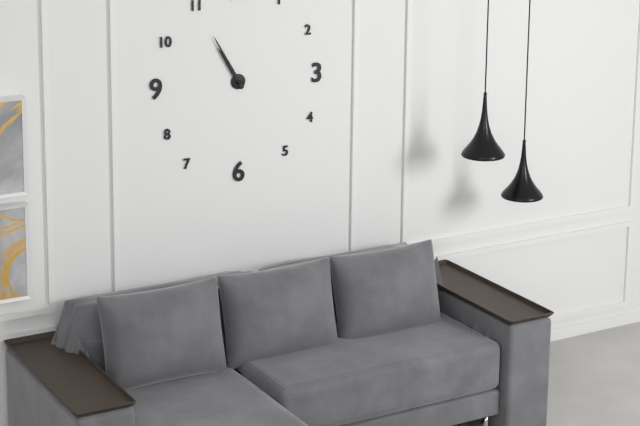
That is 10.55
